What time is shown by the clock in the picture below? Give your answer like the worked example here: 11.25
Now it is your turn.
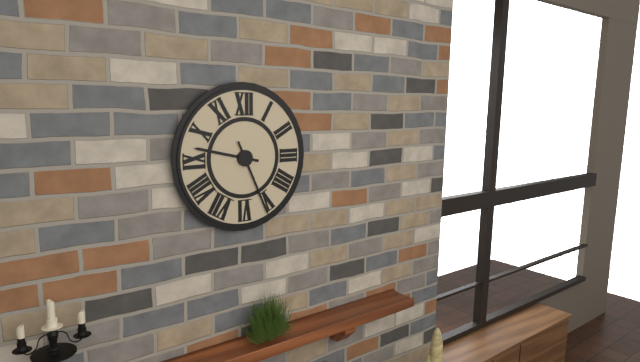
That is 9.26
